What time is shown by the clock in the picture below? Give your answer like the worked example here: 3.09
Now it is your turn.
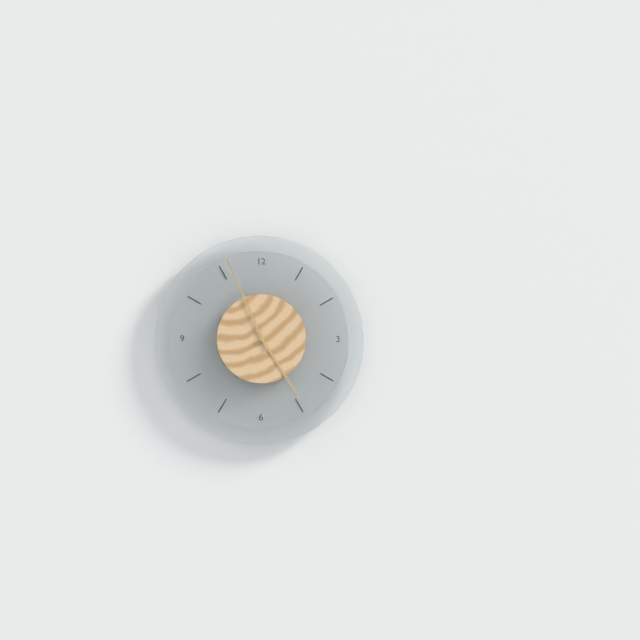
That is 4.56
